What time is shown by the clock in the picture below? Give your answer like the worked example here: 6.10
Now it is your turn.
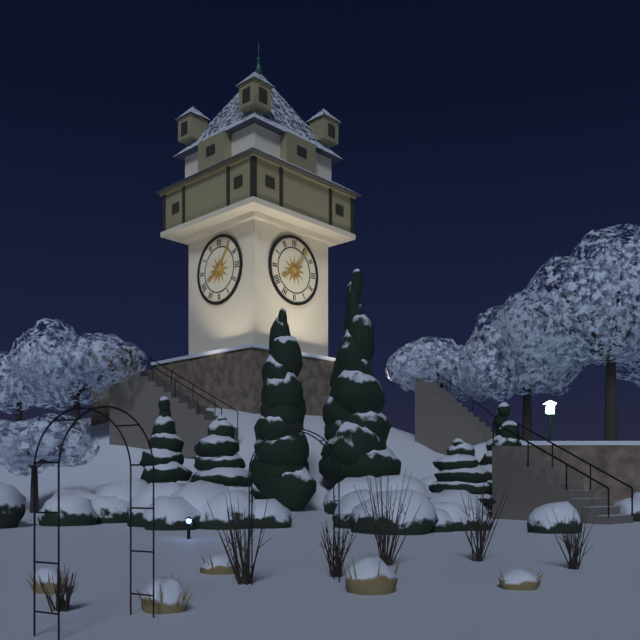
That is 8.06
